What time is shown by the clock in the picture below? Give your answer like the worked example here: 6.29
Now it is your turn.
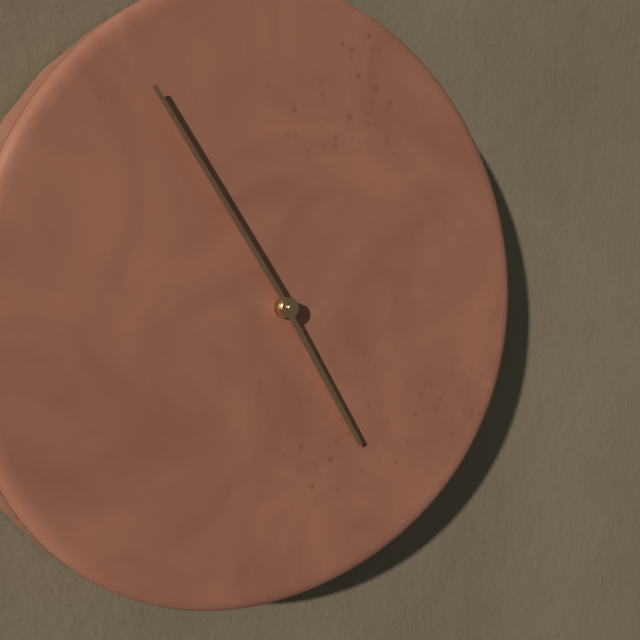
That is 4.54
